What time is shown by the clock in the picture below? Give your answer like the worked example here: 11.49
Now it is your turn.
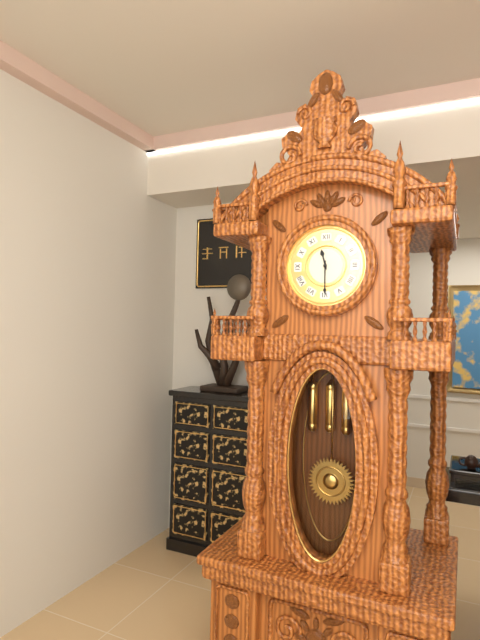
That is 11.30
